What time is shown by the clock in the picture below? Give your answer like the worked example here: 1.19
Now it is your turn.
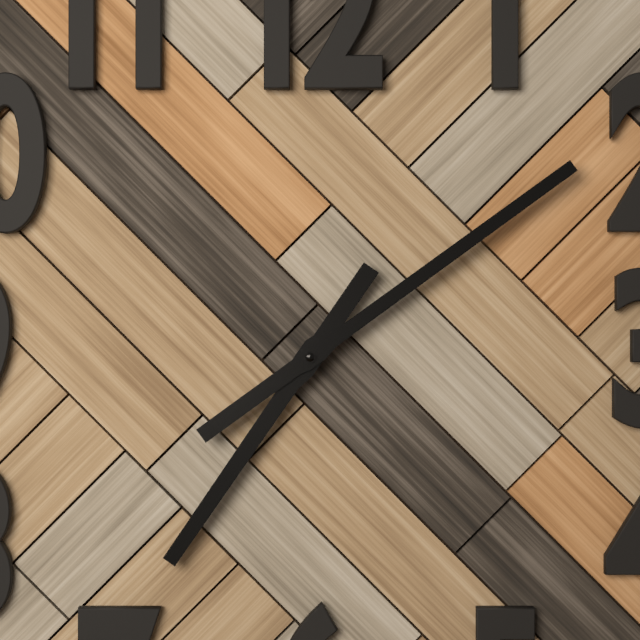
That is 7.09
